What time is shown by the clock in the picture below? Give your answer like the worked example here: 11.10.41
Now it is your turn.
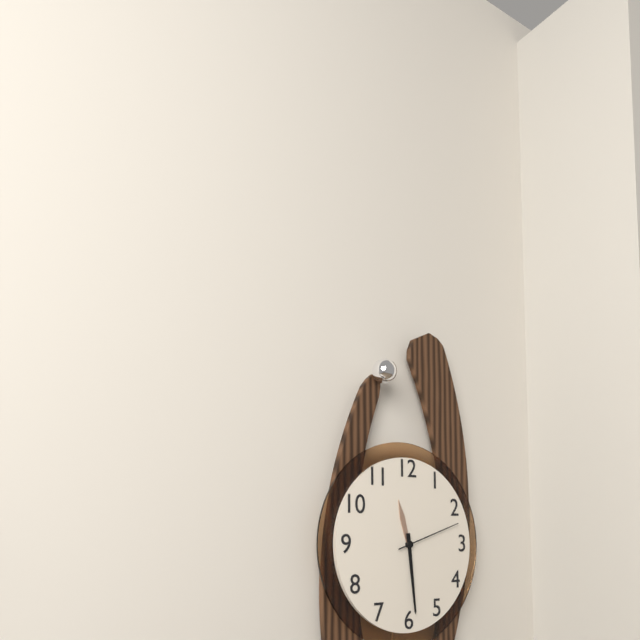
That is 11.29.12
